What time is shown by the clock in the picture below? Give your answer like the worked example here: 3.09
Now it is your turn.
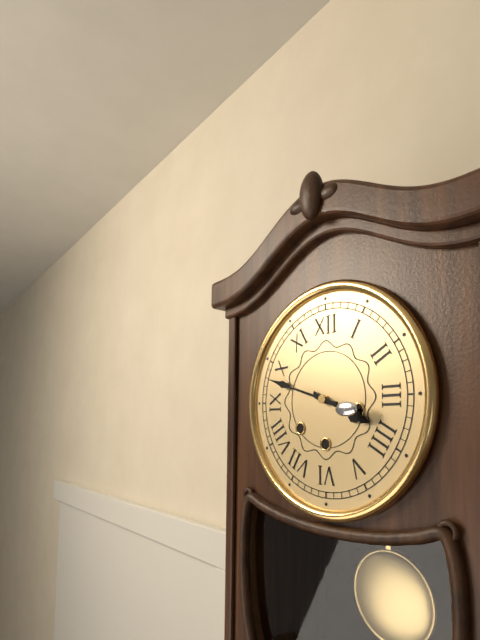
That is 3.48
